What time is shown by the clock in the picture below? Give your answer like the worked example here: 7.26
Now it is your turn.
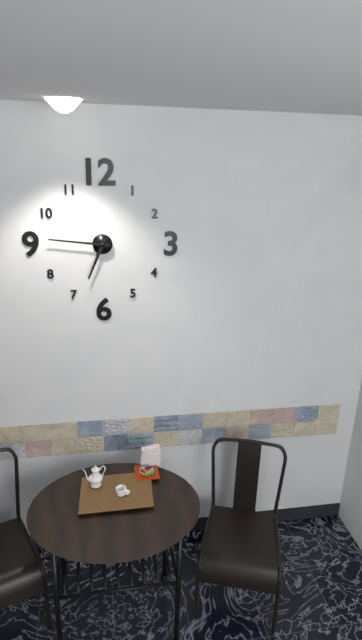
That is 6.46
